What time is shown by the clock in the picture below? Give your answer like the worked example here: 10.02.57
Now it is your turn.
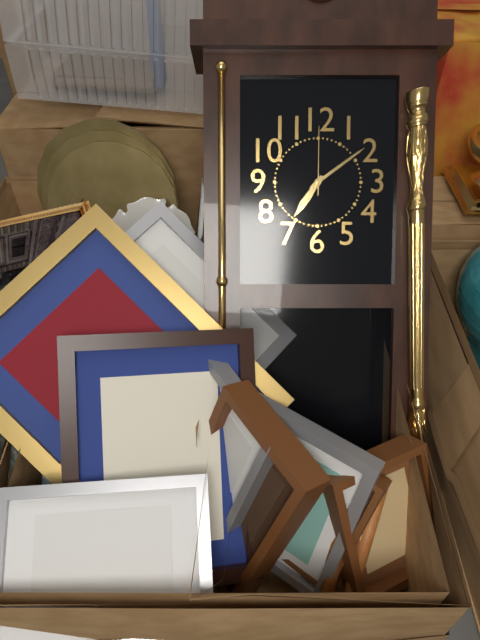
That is 7.09.00
